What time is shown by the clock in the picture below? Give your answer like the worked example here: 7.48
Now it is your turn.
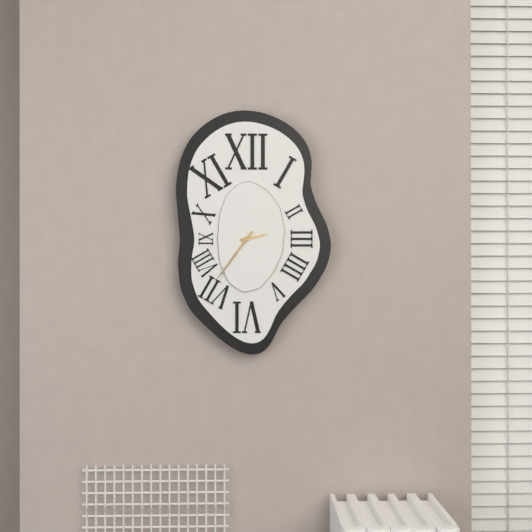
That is 2.36
